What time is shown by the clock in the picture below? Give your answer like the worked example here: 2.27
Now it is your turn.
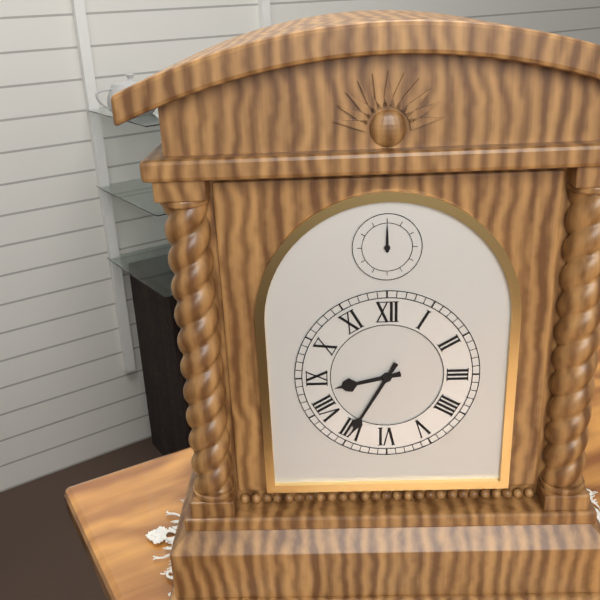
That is 8.35
